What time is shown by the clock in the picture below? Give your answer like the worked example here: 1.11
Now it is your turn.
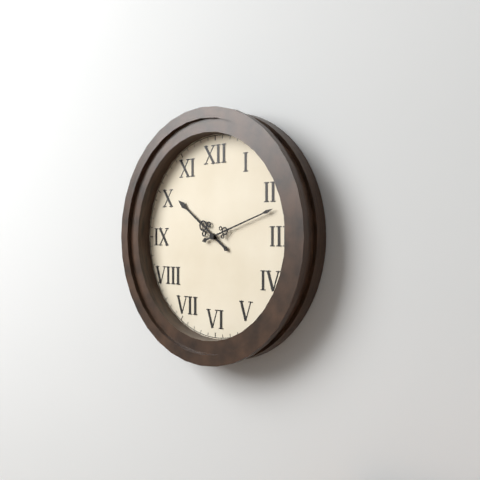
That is 10.12
